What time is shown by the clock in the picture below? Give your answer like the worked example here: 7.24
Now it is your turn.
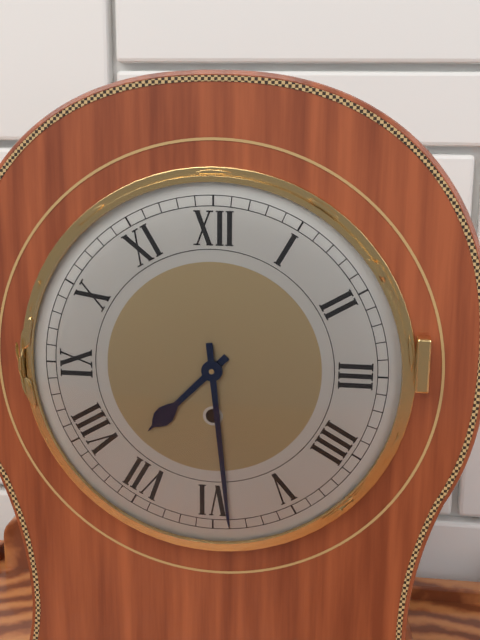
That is 7.29
